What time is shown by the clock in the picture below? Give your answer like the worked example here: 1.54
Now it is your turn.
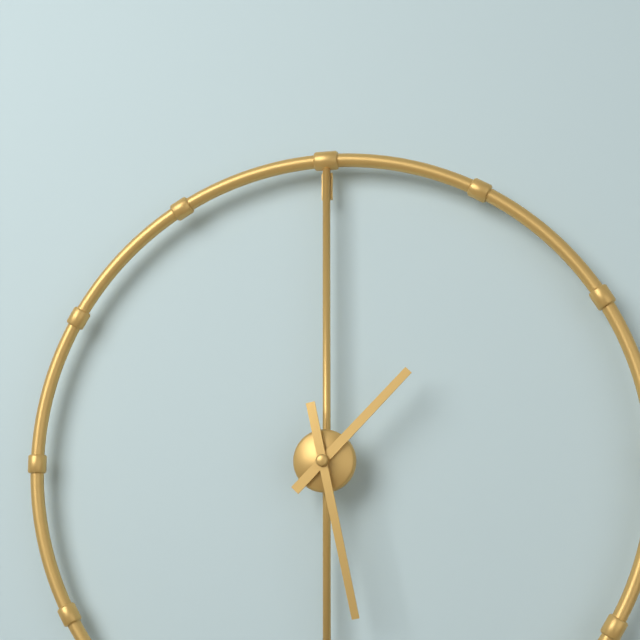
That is 1.28
